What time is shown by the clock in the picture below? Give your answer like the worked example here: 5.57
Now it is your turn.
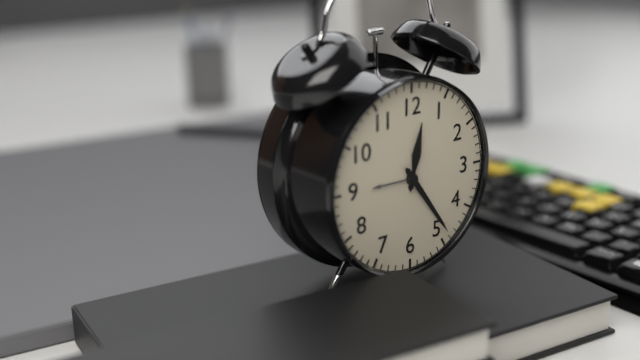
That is 12.24
